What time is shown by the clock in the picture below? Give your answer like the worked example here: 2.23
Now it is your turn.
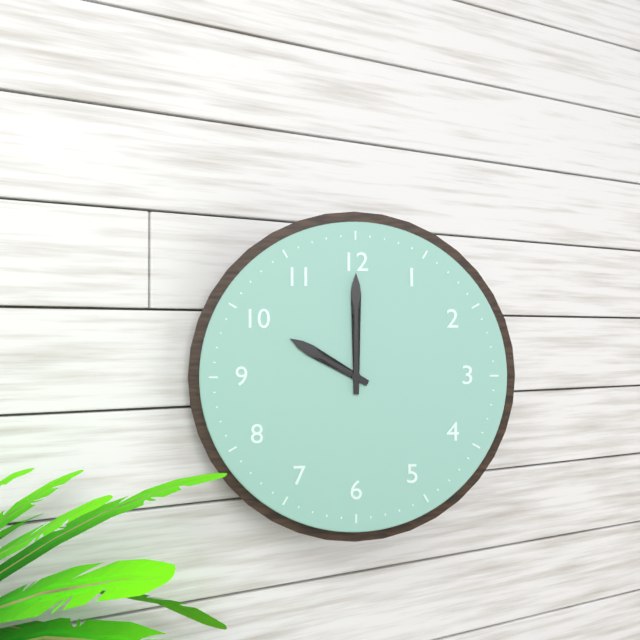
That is 10.00
